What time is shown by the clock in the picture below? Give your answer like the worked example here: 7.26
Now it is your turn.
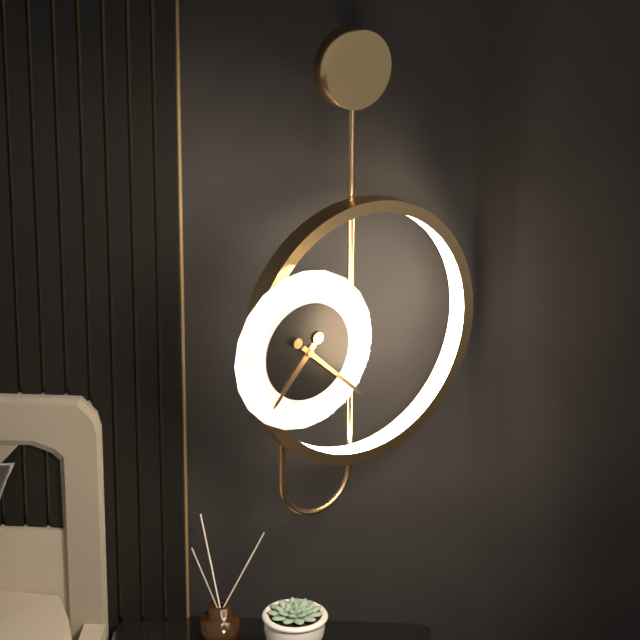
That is 7.22
